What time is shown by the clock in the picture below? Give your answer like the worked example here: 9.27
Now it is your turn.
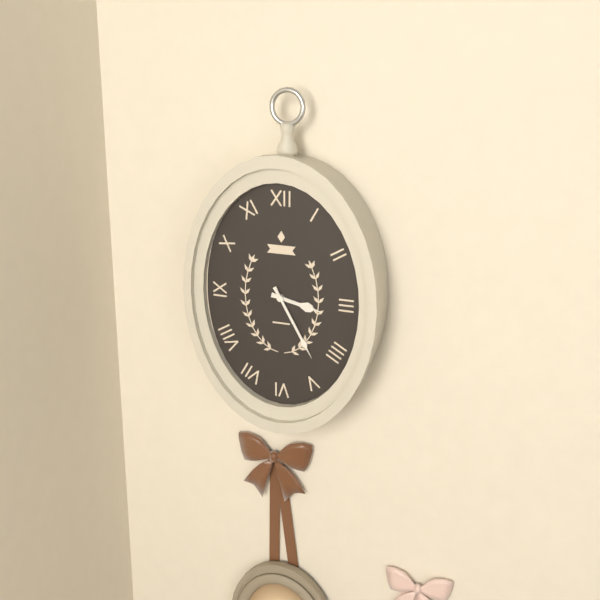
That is 3.25
